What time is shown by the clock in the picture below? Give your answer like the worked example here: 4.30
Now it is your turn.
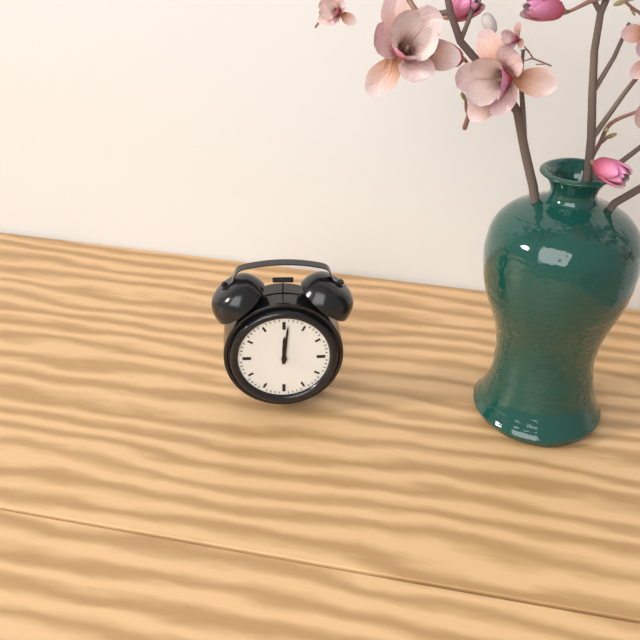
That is 12.01
